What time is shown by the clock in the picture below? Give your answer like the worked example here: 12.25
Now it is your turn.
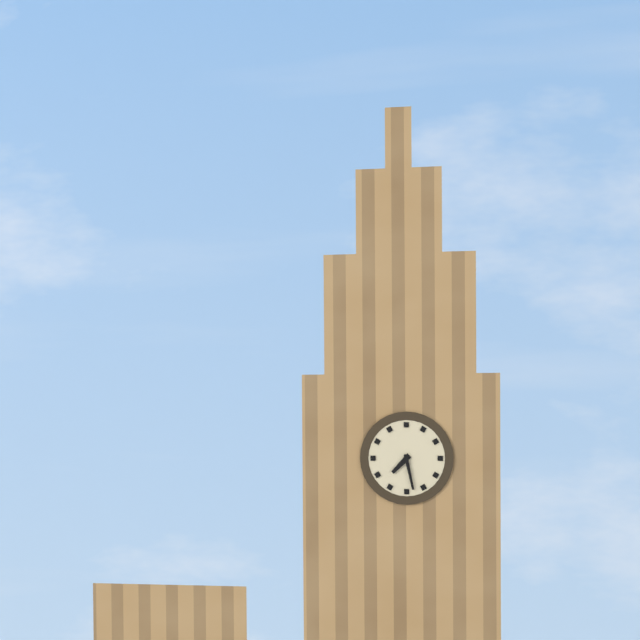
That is 7.28
